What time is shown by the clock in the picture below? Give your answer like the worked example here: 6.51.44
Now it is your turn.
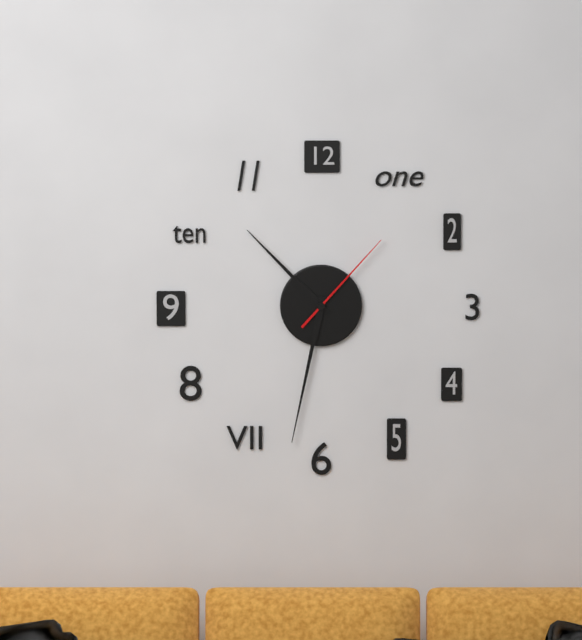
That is 10.32.07
